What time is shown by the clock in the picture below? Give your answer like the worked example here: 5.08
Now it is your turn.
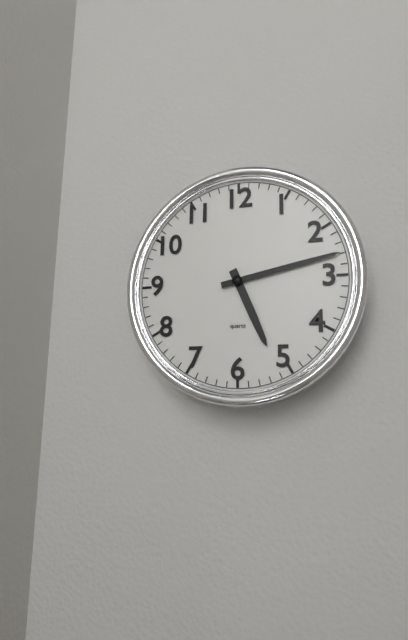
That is 5.13
